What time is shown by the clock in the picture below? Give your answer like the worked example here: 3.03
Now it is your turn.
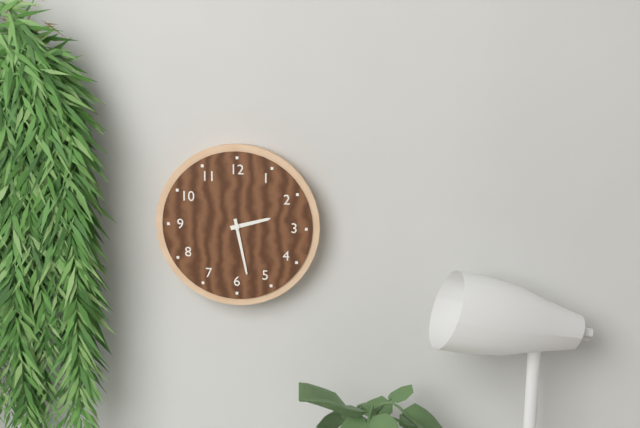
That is 2.28
